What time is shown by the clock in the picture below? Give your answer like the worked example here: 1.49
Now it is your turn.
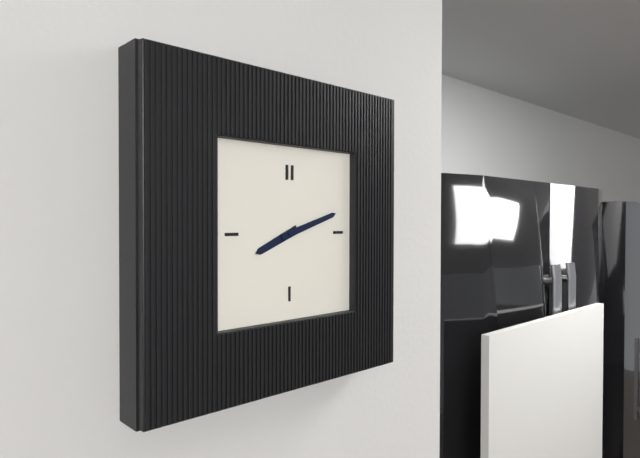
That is 8.12
